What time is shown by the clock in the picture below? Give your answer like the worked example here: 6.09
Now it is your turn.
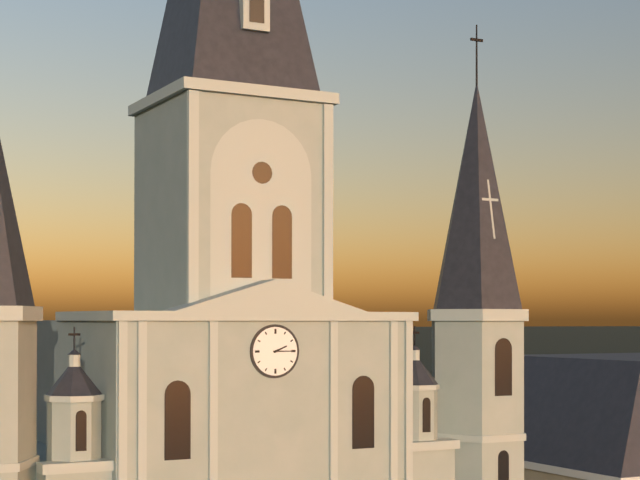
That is 2.15
